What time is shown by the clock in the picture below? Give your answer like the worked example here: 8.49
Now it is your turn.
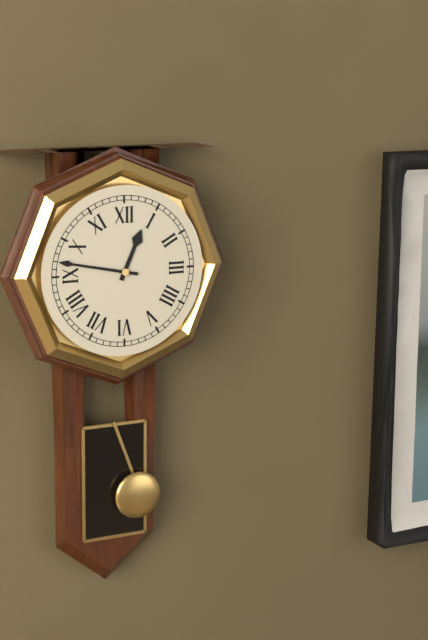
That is 12.47
